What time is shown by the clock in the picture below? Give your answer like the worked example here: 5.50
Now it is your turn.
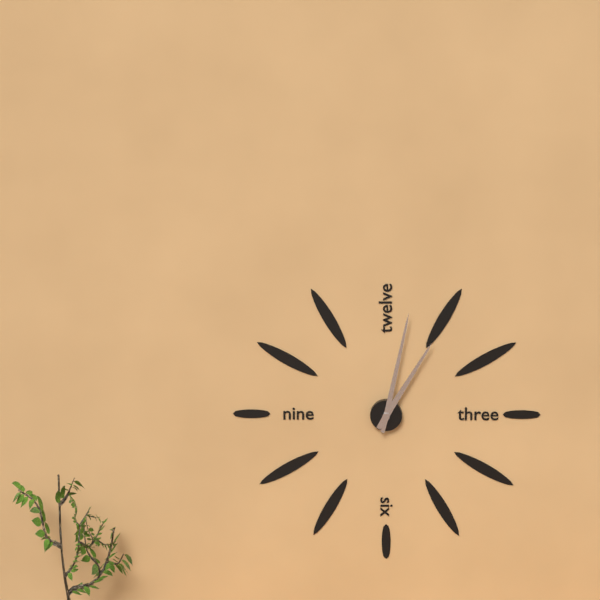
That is 1.02
